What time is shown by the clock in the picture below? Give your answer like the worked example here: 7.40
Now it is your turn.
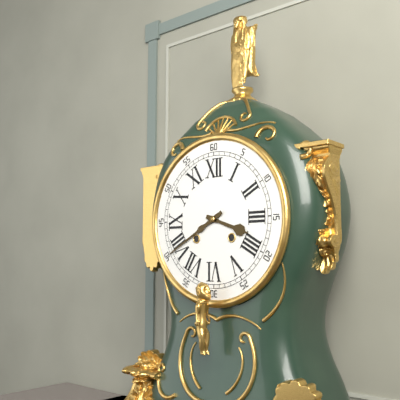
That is 3.40
